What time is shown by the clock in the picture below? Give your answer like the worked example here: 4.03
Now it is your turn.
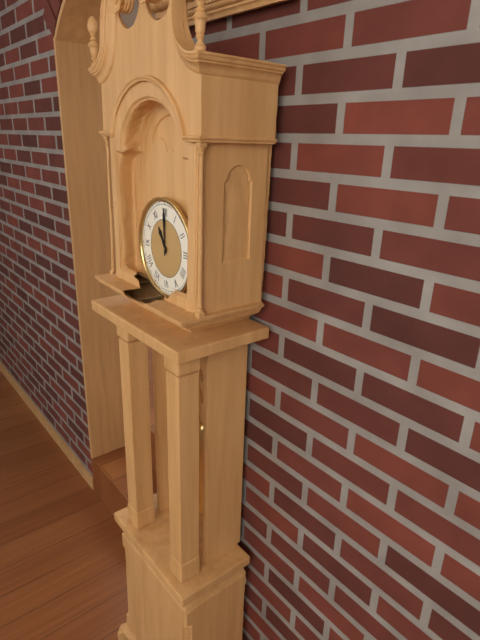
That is 11.00
